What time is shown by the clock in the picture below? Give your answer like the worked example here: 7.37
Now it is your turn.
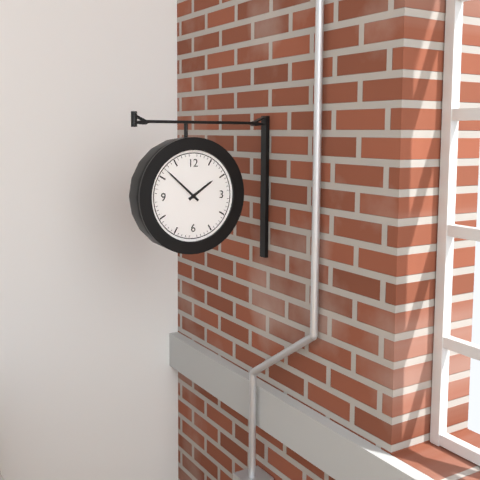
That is 1.52
